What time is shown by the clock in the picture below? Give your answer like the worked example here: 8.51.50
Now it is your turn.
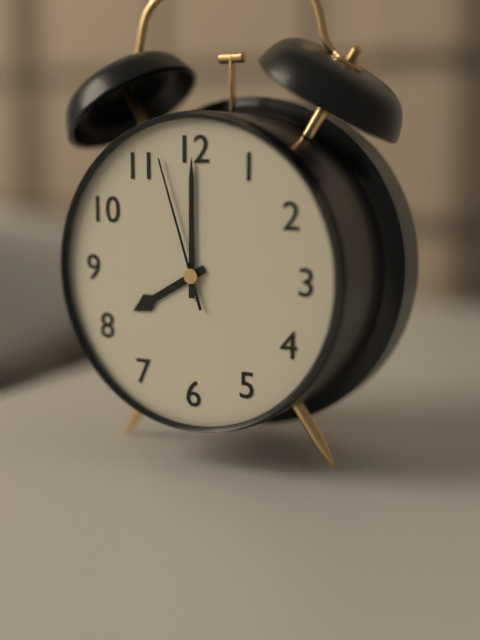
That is 8.00.57
